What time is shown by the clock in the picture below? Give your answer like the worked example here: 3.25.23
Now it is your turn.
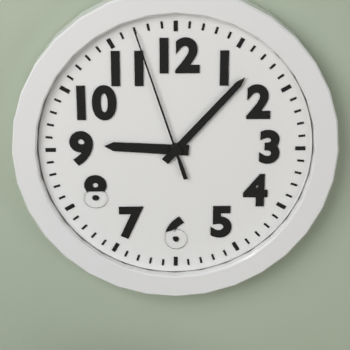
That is 9.07.57
